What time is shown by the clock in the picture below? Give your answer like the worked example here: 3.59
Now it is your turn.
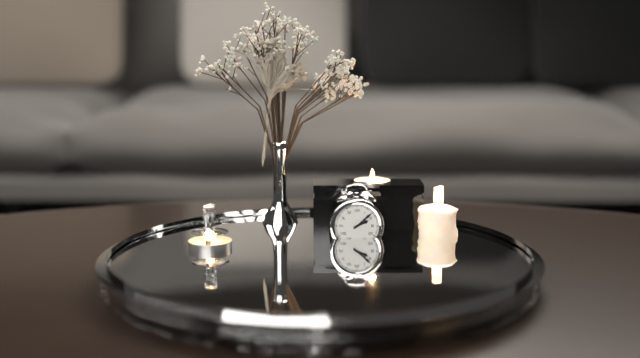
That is 2.08
